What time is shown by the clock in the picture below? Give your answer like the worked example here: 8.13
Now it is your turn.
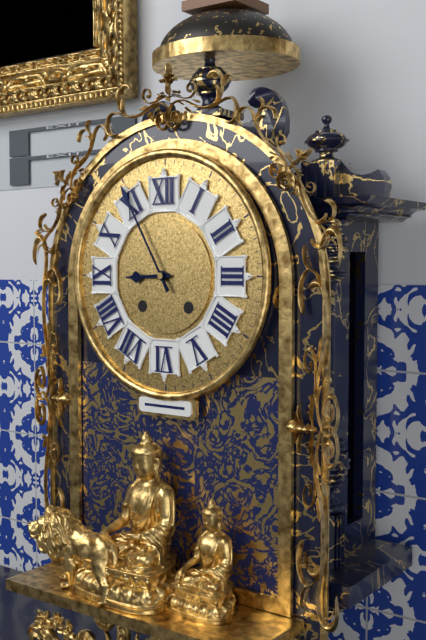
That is 8.55
